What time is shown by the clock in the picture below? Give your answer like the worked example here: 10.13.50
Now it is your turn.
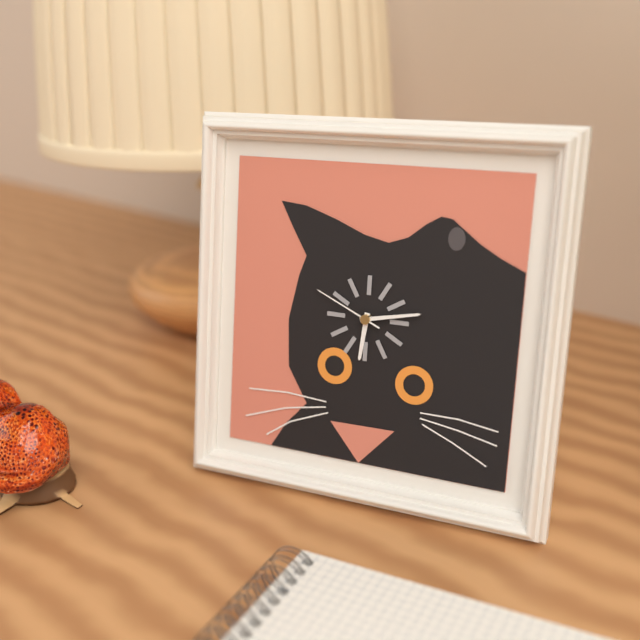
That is 6.13.49
